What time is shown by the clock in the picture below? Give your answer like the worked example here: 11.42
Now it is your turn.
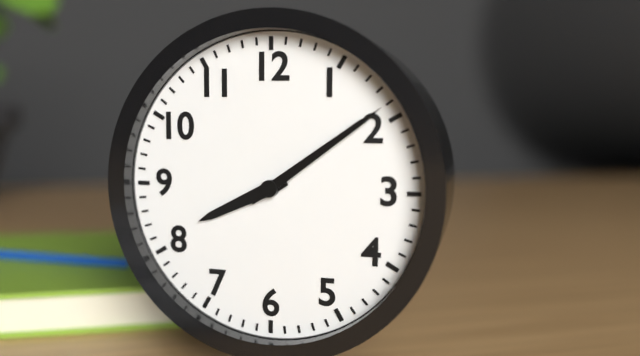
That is 8.09
